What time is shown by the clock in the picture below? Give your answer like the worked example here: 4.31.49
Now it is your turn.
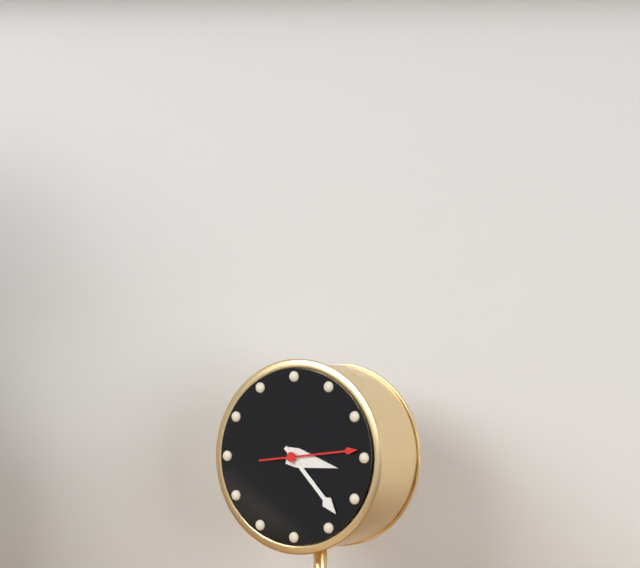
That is 3.23.14
